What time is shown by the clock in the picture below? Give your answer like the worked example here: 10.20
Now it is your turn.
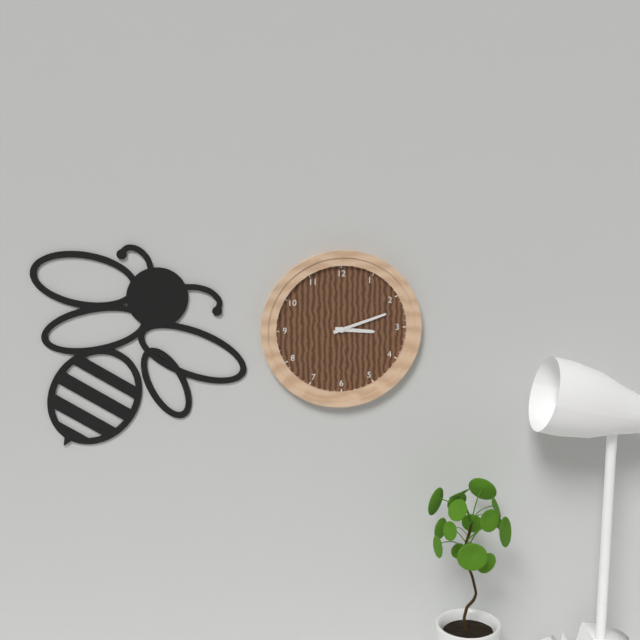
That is 3.12
